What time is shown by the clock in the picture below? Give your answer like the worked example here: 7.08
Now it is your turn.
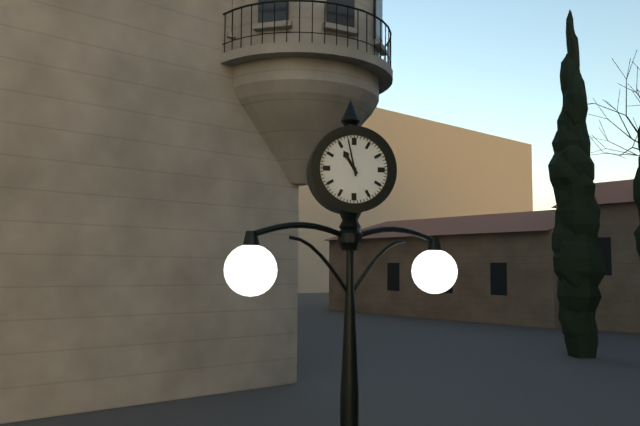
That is 10.58
